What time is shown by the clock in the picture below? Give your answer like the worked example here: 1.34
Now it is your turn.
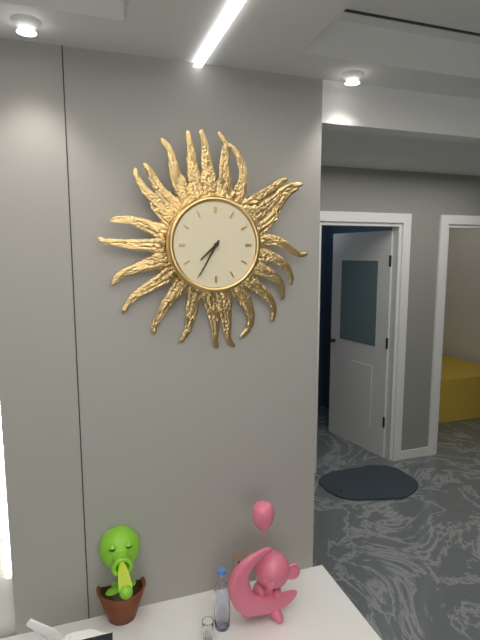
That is 7.35
